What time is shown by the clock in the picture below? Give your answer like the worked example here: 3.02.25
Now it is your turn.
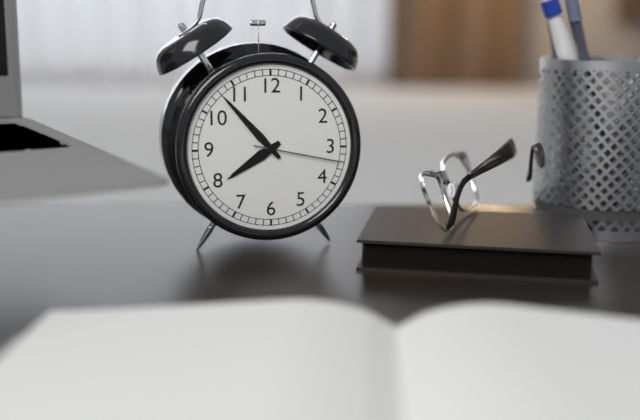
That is 7.53.17
